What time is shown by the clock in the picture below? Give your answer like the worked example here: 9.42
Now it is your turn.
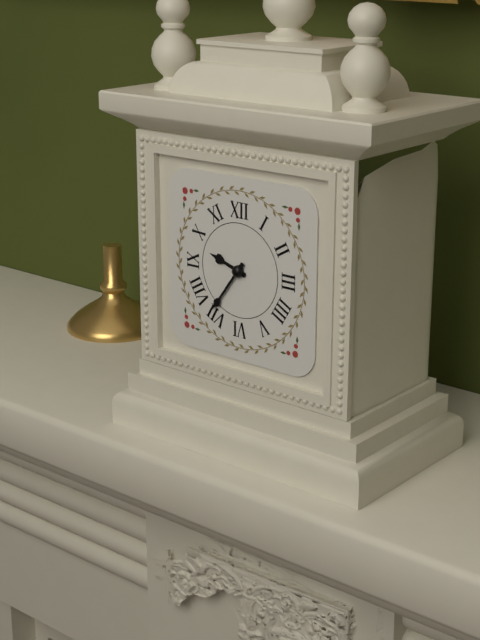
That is 9.36
